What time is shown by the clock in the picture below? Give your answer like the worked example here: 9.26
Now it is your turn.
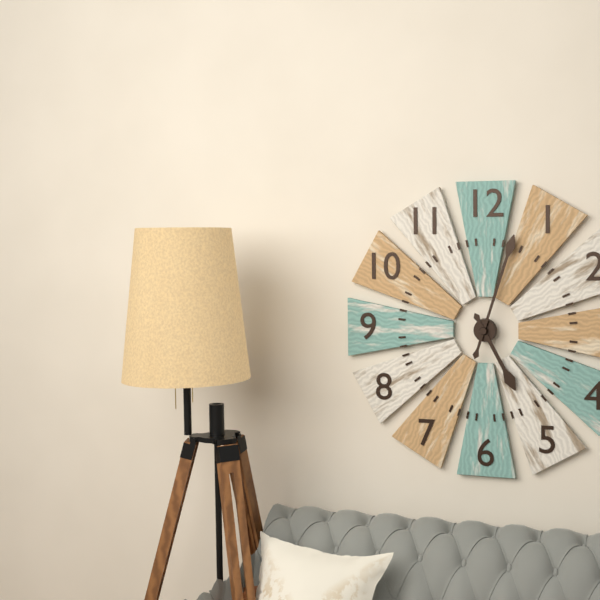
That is 5.03
